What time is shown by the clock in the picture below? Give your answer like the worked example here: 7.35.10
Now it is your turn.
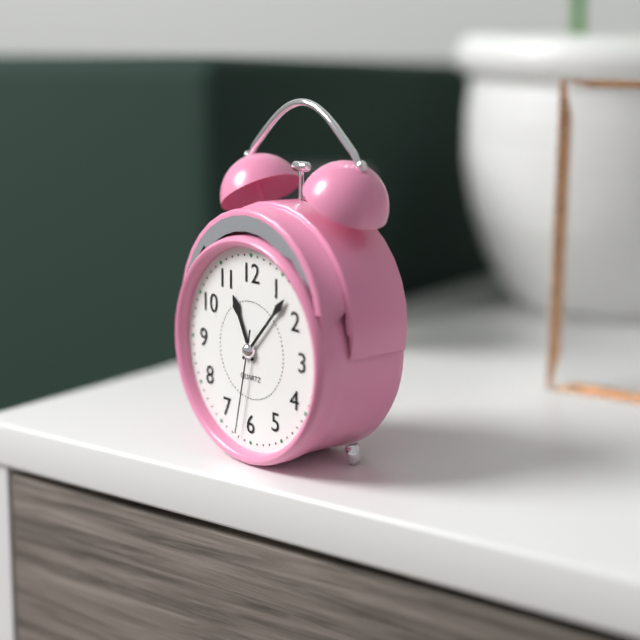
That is 11.07.32
